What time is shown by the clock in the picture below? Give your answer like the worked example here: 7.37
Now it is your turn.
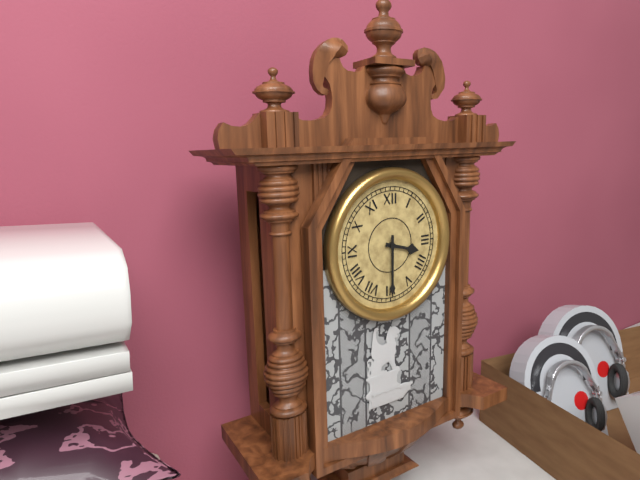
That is 3.30
